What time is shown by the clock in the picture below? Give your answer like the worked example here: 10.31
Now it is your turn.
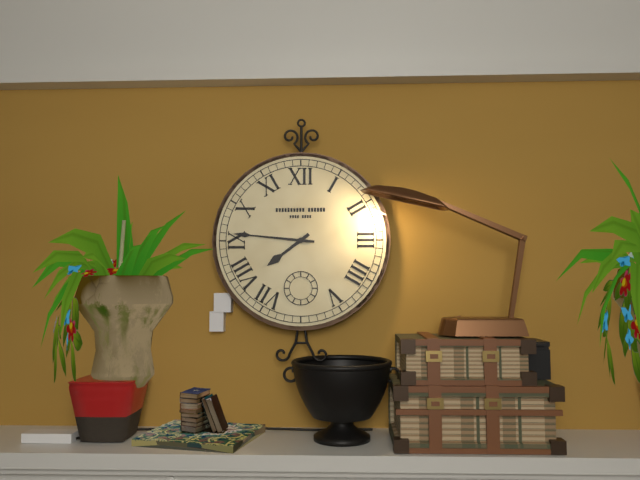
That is 7.46
